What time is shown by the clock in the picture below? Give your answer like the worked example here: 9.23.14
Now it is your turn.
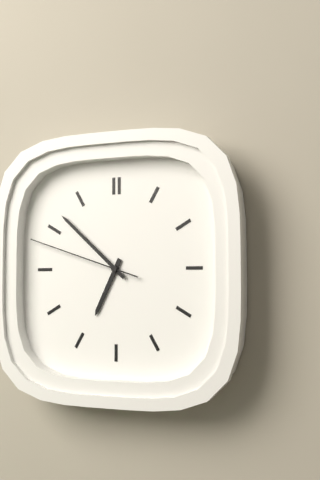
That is 6.52.48
